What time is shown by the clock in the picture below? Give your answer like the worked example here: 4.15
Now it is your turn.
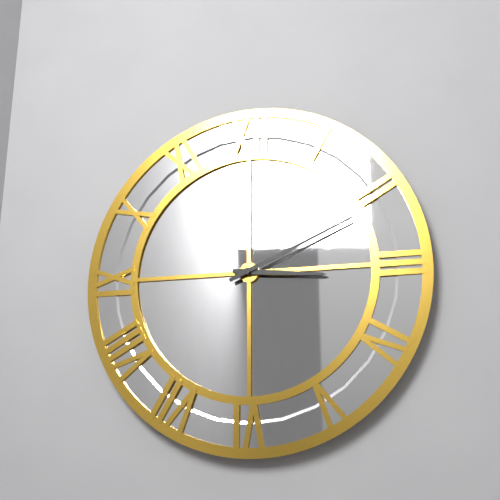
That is 3.11
